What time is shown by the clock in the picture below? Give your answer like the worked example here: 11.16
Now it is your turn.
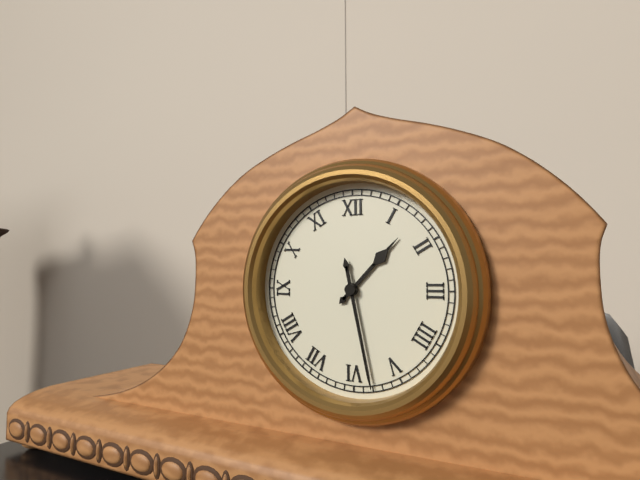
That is 1.28
